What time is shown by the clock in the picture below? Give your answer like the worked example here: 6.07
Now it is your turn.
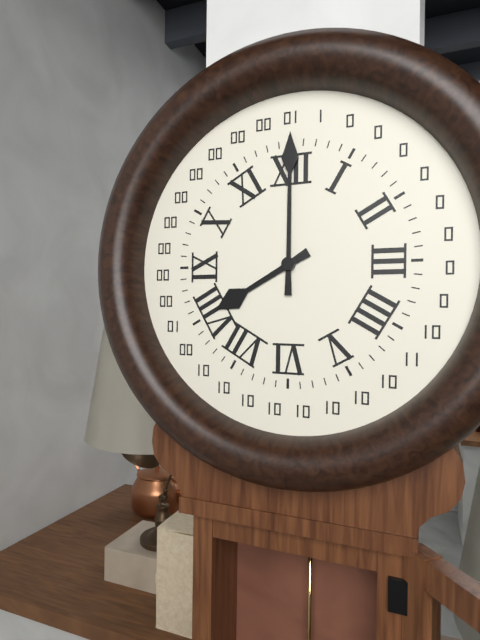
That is 8.00
